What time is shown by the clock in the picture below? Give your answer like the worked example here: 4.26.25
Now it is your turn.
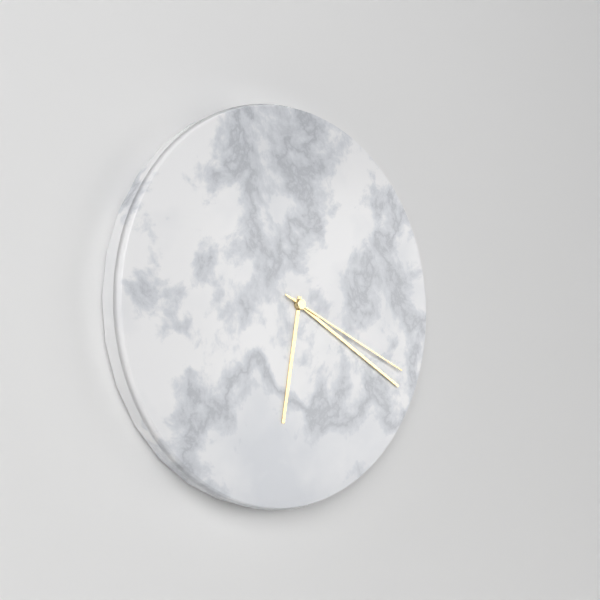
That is 6.20.19
